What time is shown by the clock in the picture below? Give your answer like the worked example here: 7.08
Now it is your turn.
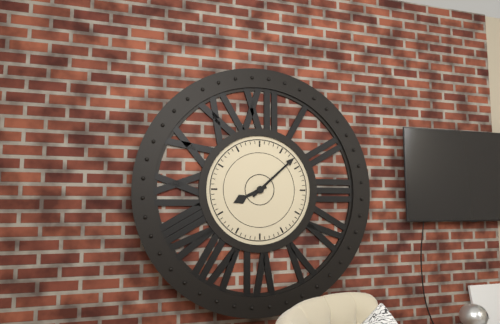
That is 8.08
